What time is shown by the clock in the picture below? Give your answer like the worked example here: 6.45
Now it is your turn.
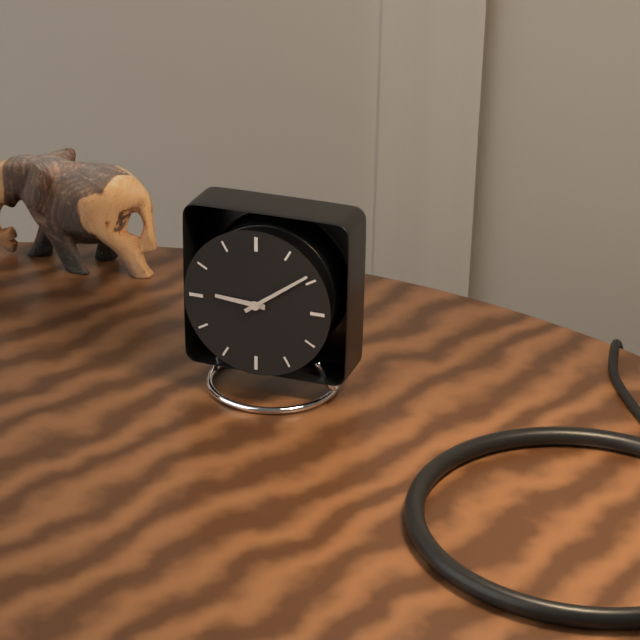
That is 9.09
